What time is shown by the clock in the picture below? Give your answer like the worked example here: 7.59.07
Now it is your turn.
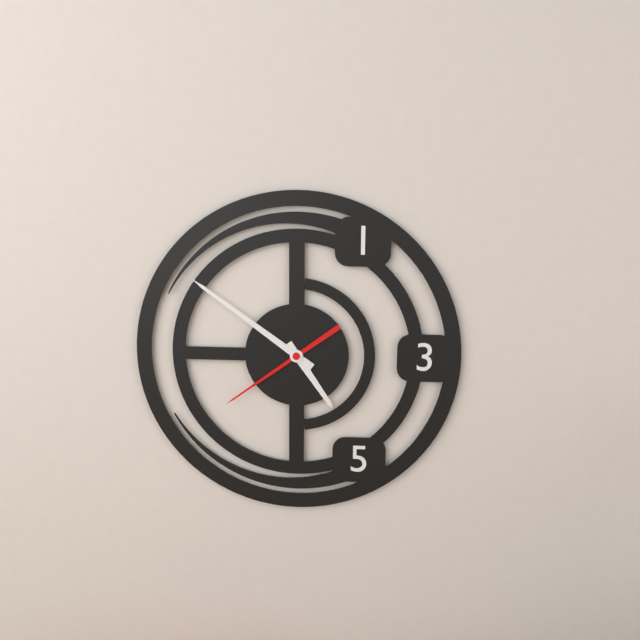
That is 4.51.39
